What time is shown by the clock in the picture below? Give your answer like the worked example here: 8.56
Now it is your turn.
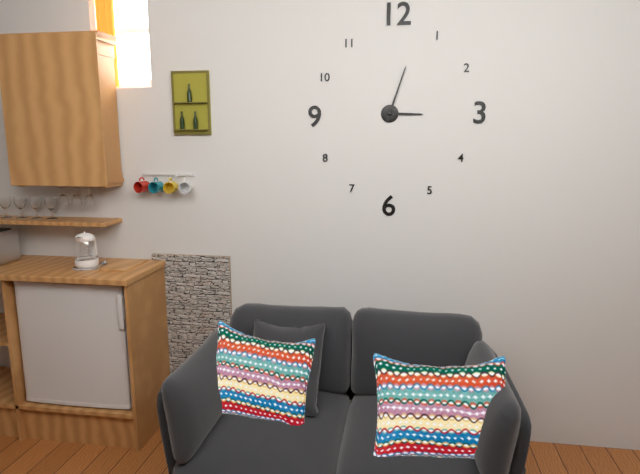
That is 3.03
